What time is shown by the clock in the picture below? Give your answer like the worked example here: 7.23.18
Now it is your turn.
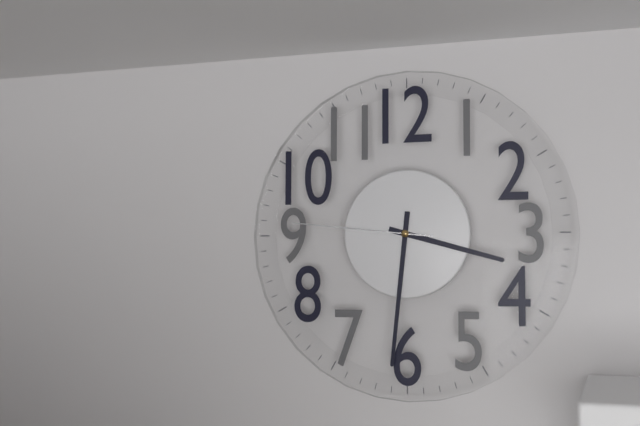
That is 3.31.46
